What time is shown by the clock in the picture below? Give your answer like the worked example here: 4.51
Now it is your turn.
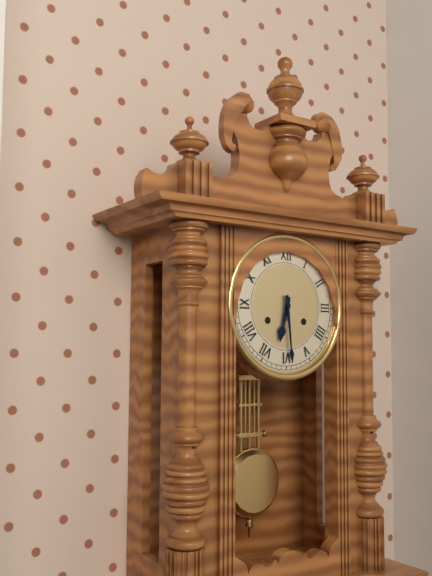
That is 6.29
